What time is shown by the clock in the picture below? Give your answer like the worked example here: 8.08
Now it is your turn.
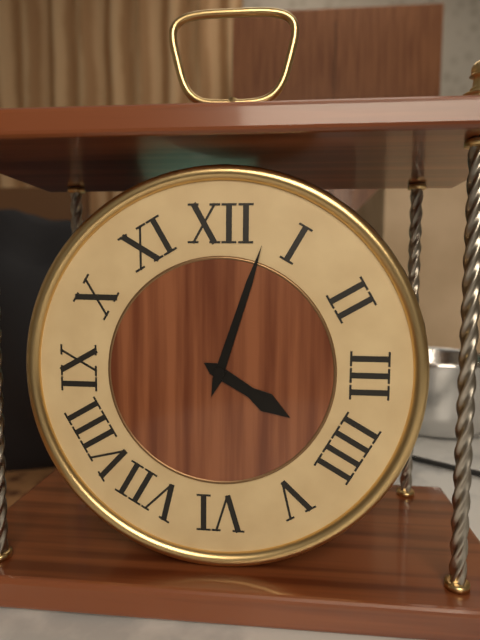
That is 4.03
